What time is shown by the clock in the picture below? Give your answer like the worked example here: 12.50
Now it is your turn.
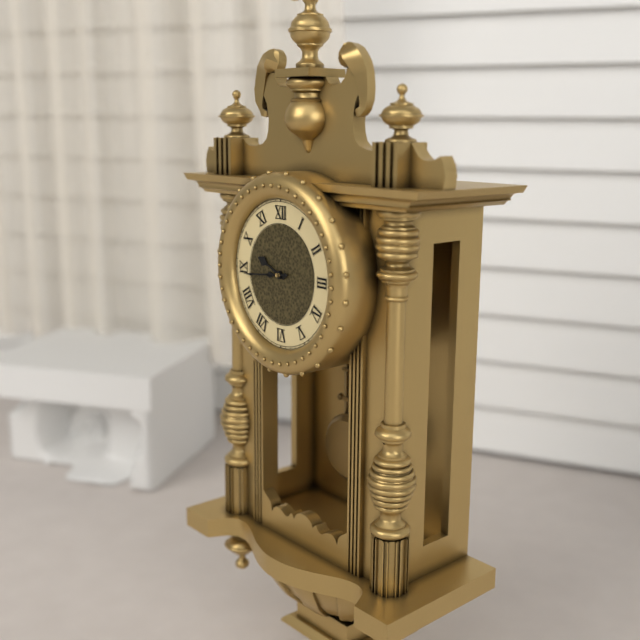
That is 9.44
